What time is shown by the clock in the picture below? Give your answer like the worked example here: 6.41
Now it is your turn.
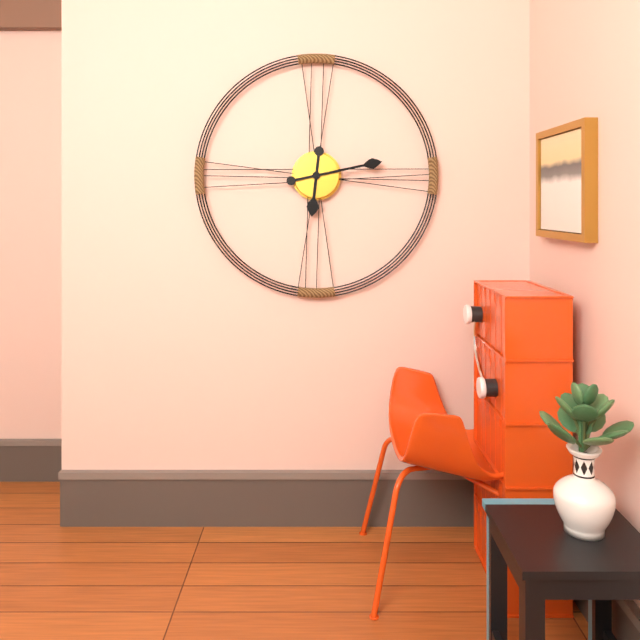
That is 6.13
